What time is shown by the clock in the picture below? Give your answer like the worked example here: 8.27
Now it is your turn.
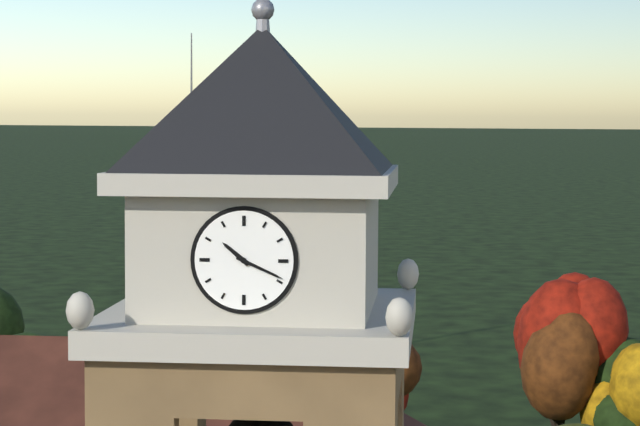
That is 10.19
